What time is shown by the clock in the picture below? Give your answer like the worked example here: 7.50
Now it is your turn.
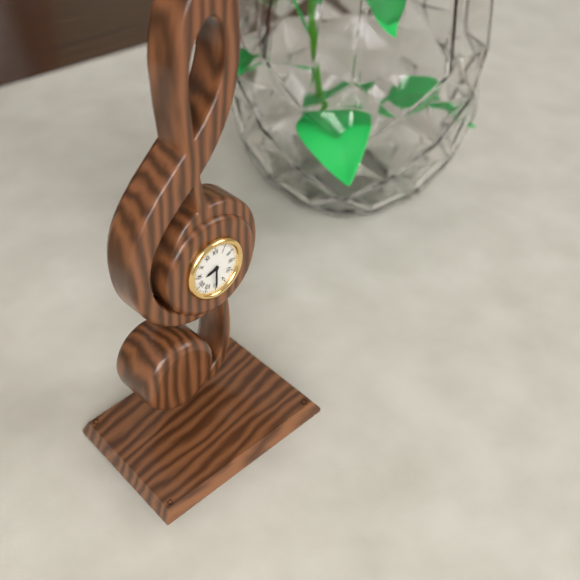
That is 8.30
